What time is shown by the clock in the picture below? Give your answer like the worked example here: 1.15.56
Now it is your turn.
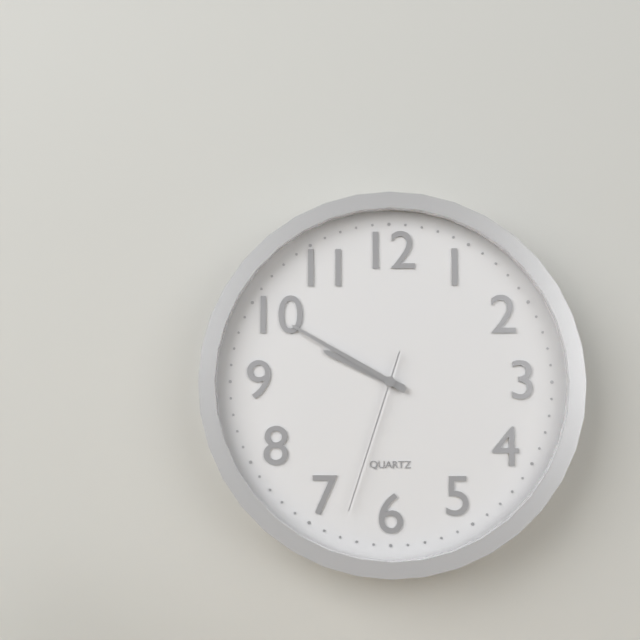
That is 9.50.33
